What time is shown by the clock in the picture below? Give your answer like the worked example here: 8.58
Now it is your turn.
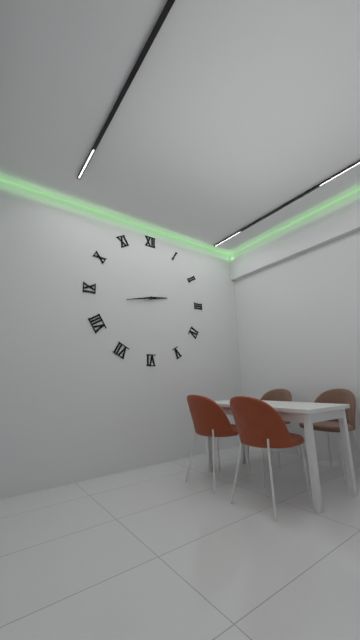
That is 2.43
